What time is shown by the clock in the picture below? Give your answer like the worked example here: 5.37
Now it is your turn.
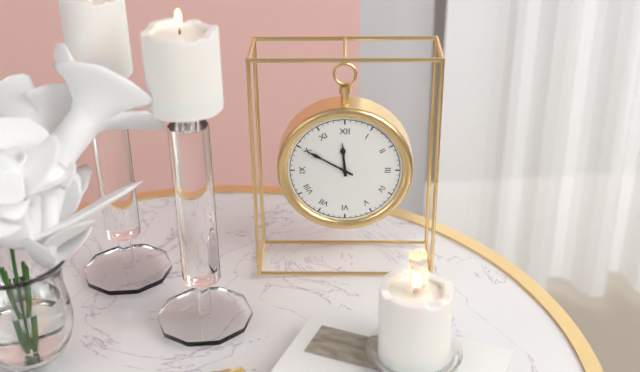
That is 11.50
